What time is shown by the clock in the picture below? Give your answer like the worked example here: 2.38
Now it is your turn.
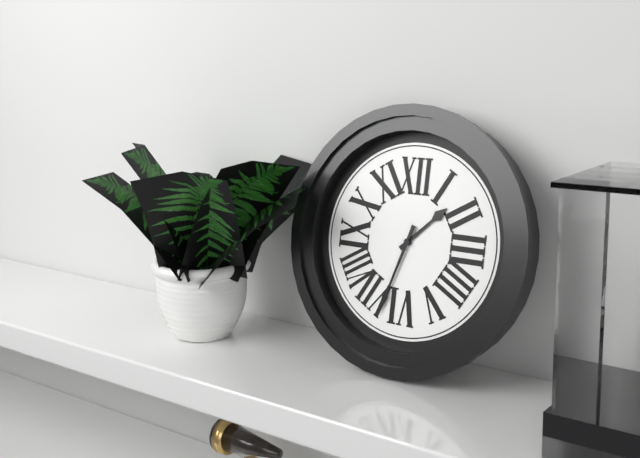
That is 1.33
